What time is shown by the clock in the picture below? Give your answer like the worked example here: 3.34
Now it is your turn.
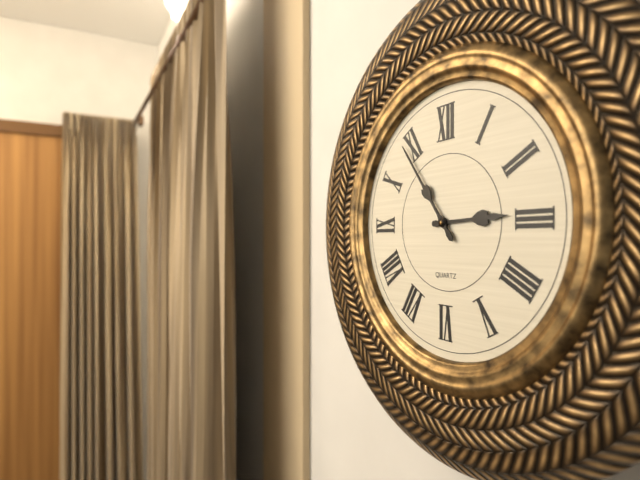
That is 2.54
